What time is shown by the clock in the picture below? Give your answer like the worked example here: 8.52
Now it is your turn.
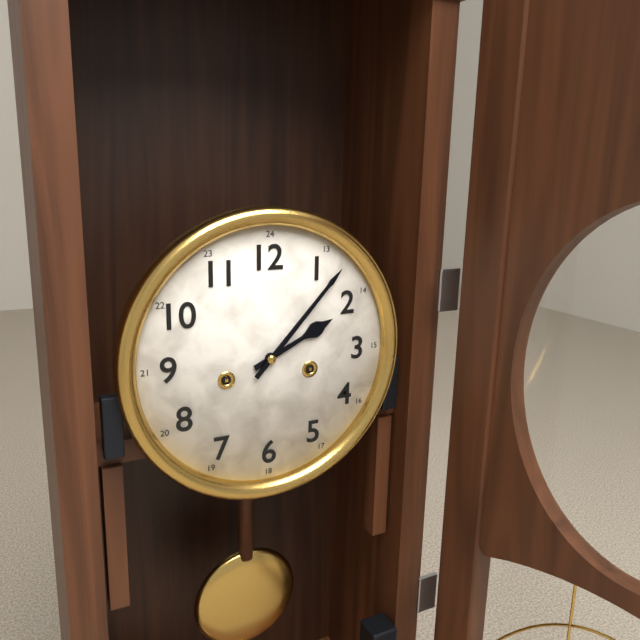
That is 2.07
